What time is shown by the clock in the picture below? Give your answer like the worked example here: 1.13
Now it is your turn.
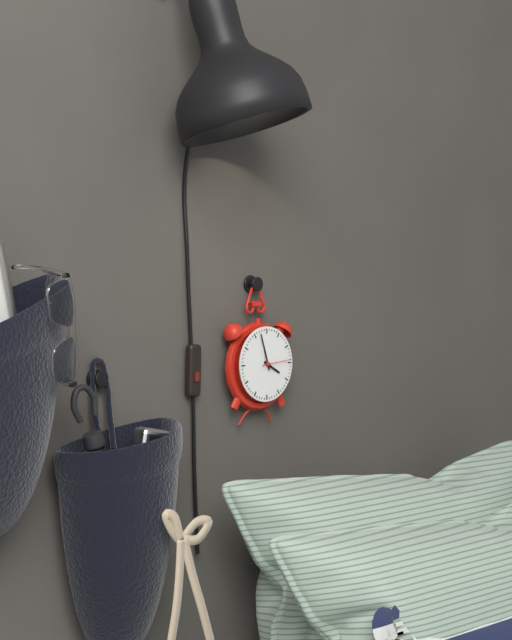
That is 3.57
